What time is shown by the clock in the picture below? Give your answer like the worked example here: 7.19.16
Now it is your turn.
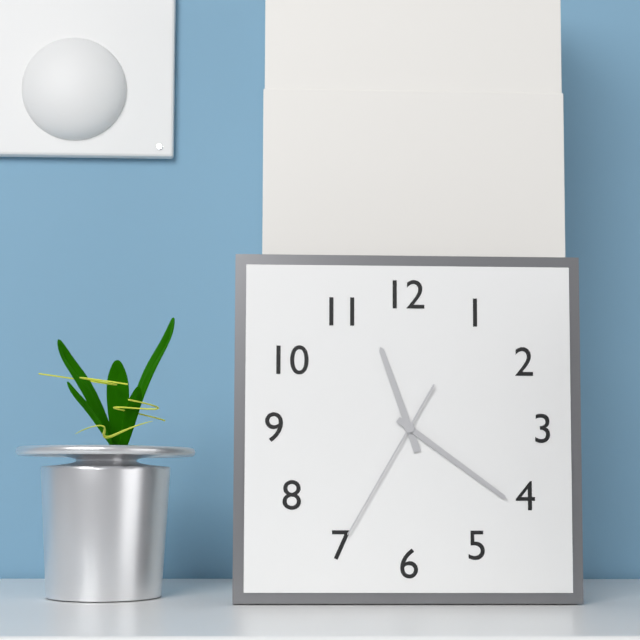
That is 11.21.35
